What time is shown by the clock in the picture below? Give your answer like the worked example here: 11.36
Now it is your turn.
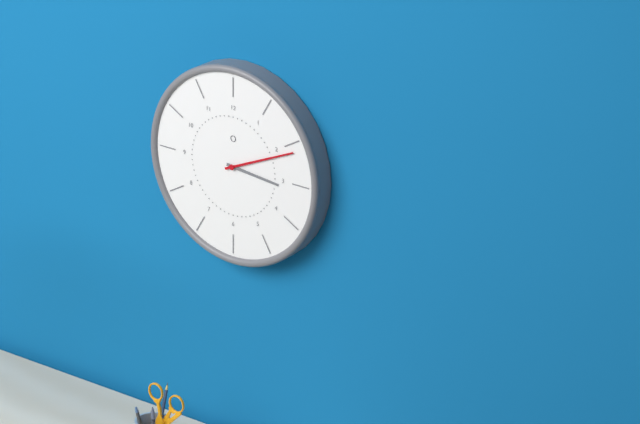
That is 3.11
